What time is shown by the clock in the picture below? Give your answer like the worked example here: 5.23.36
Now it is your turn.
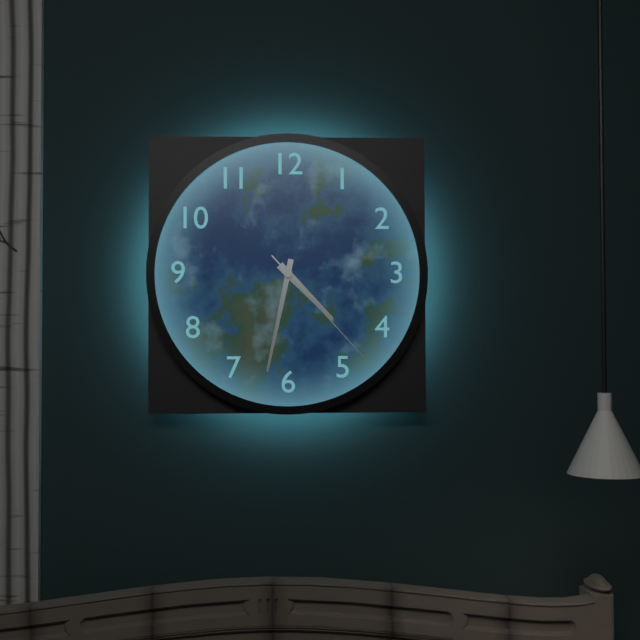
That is 4.32.23
